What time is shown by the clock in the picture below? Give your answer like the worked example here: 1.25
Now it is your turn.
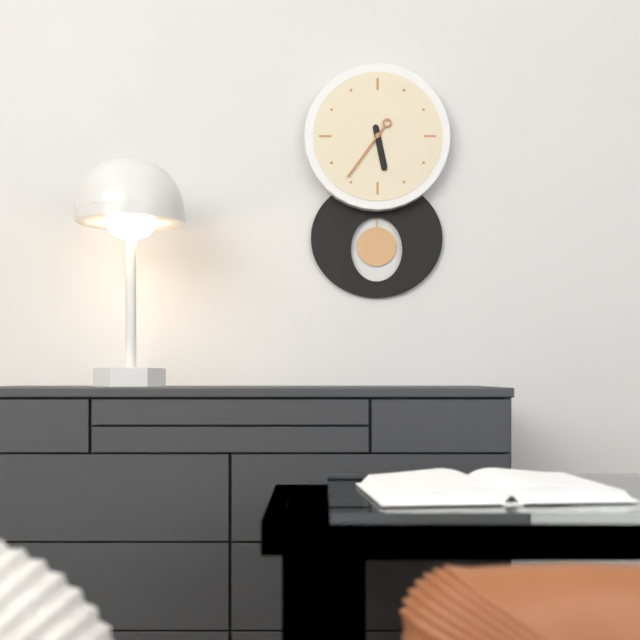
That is 5.36
